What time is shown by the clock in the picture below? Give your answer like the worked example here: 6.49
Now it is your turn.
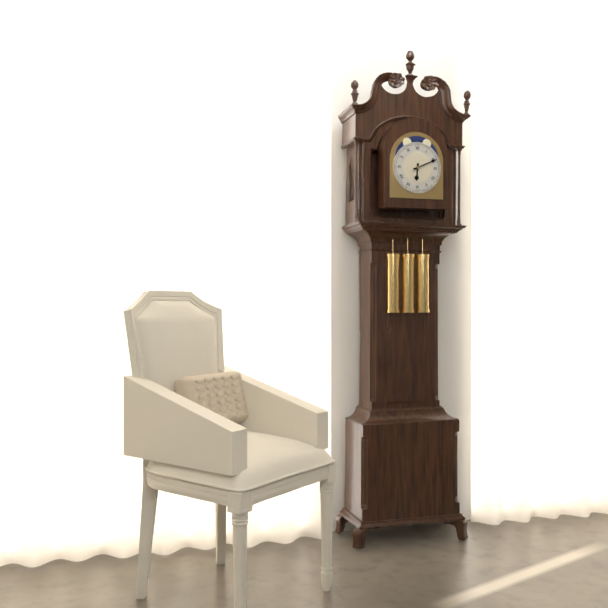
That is 6.11
